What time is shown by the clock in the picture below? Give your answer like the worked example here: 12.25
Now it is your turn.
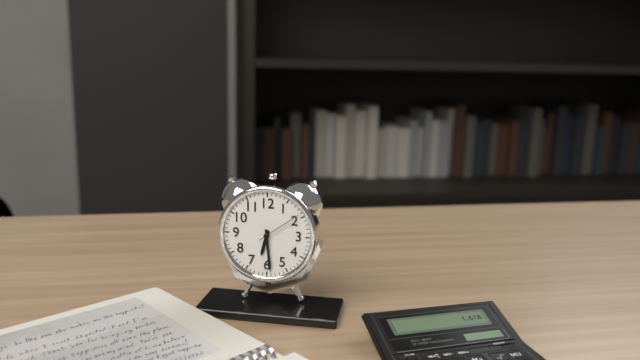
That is 6.29
